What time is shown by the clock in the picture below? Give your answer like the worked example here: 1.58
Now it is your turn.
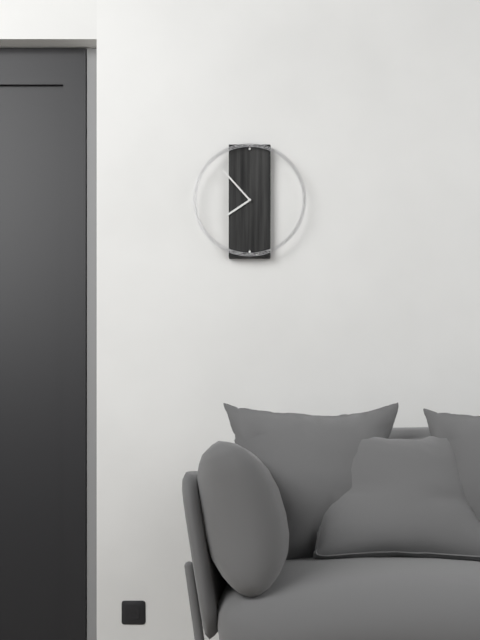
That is 7.53
